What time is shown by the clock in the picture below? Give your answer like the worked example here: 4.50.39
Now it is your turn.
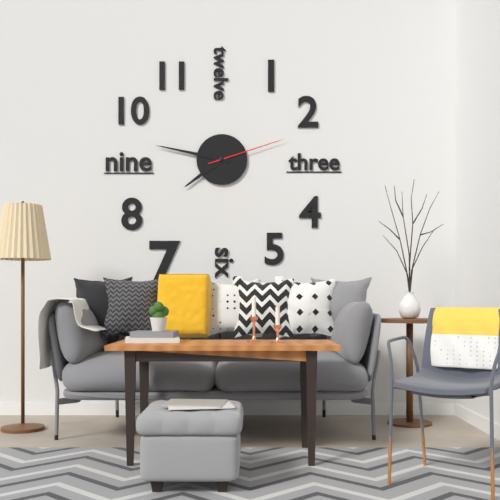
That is 7.47.12
